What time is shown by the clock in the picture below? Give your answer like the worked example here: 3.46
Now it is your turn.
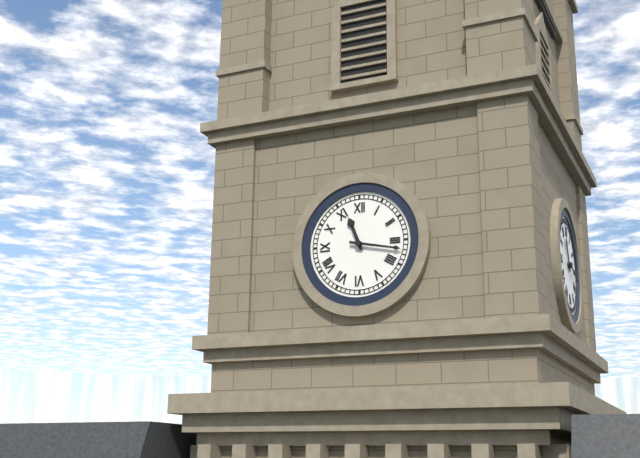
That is 11.17
